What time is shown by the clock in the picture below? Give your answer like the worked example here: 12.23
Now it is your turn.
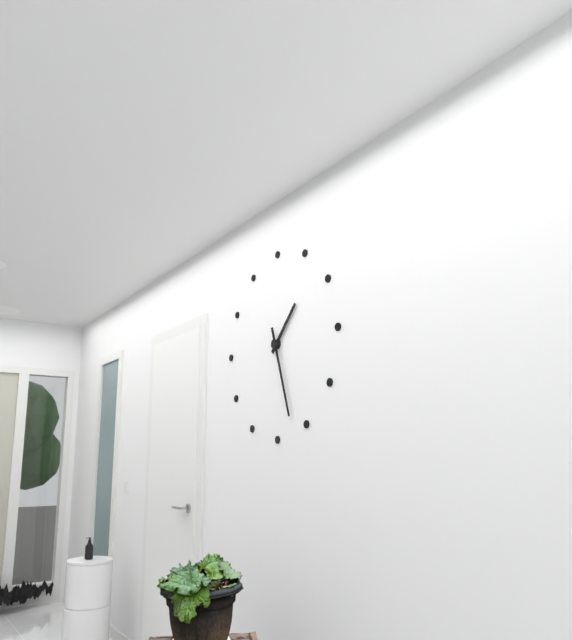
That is 1.27
